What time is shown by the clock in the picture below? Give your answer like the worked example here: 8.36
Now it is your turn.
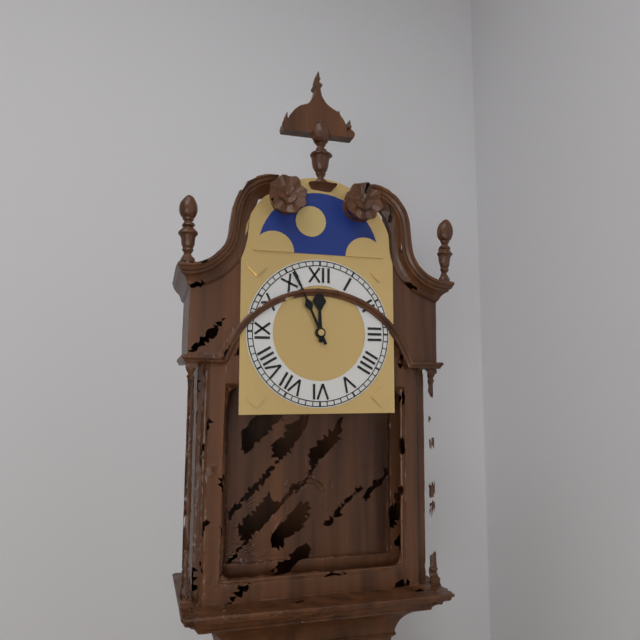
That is 11.56
